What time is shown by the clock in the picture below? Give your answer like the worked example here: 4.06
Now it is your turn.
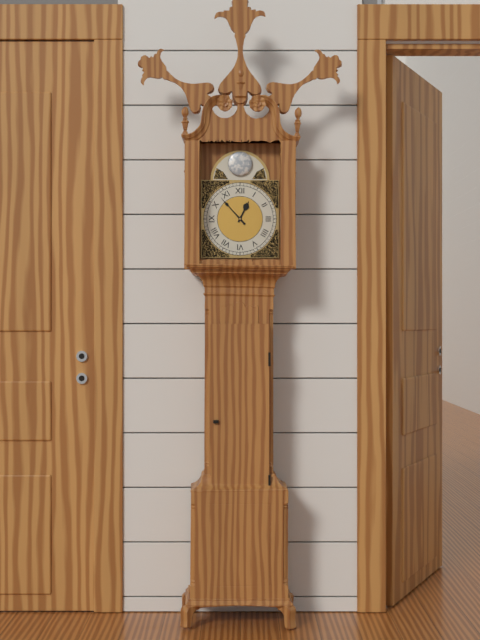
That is 12.53
